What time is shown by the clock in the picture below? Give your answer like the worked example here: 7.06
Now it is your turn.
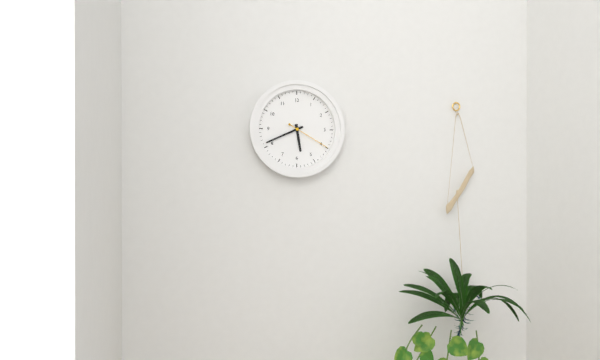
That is 5.41
